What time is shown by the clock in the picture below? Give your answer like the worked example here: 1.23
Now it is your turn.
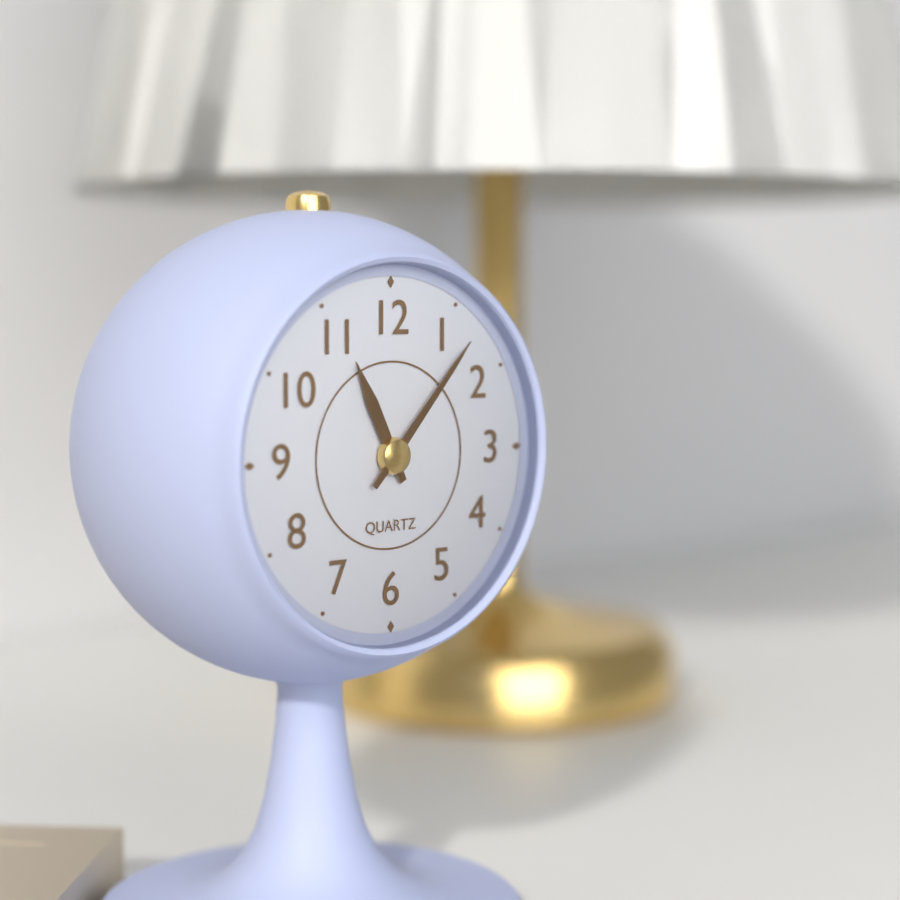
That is 11.07
